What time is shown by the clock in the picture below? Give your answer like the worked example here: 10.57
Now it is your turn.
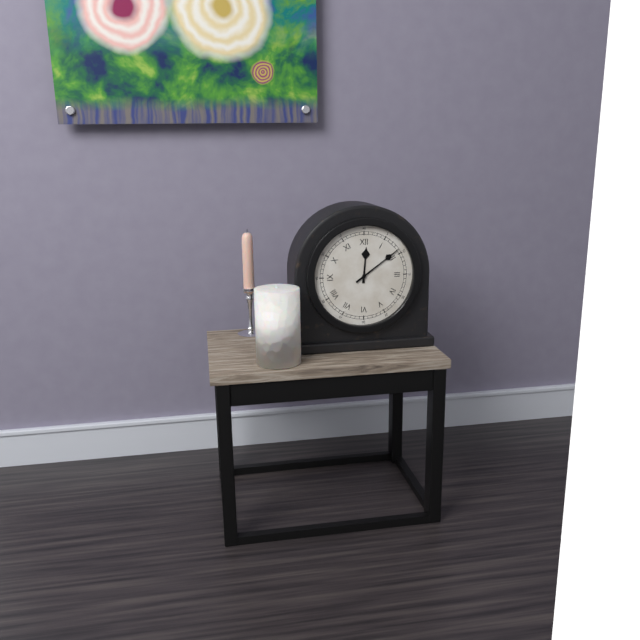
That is 12.09
